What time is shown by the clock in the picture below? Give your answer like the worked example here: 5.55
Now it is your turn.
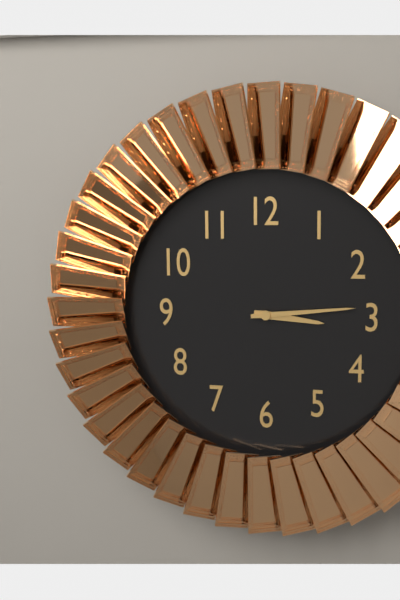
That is 3.14
